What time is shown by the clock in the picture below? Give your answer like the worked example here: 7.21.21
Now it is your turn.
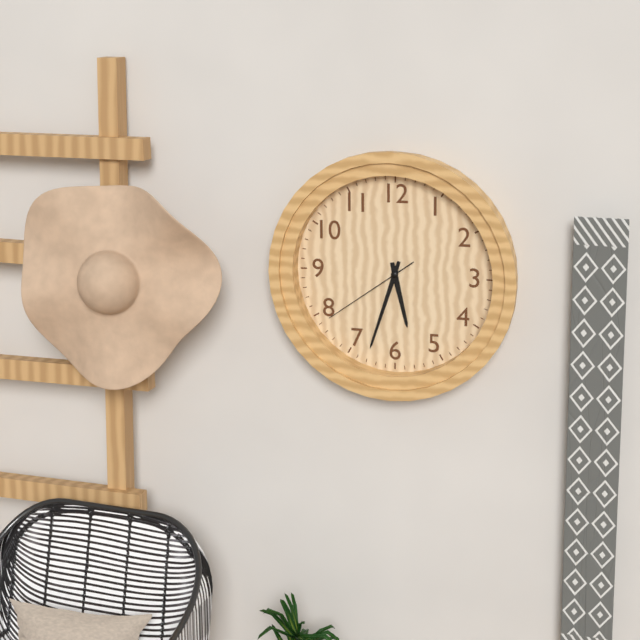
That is 5.33.39
